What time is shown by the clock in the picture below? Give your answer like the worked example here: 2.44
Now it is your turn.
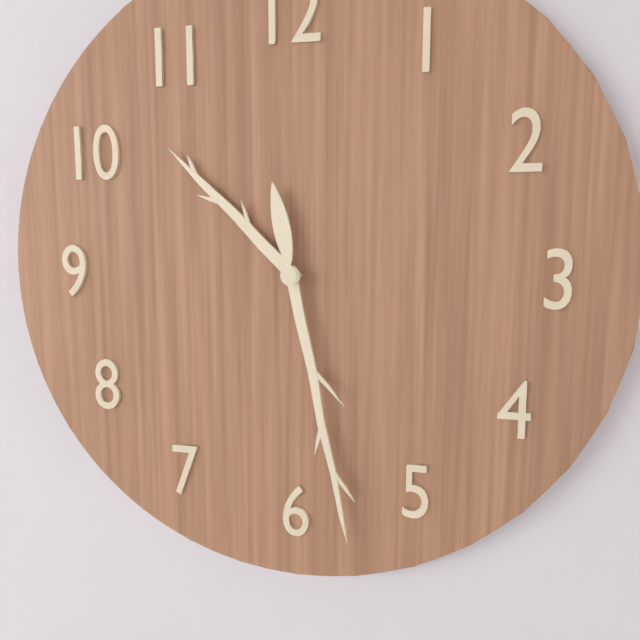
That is 10.28
